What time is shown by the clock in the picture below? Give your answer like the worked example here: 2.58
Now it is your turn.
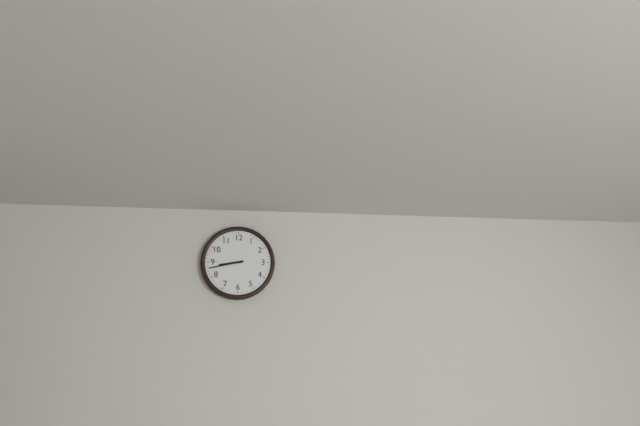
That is 8.43
